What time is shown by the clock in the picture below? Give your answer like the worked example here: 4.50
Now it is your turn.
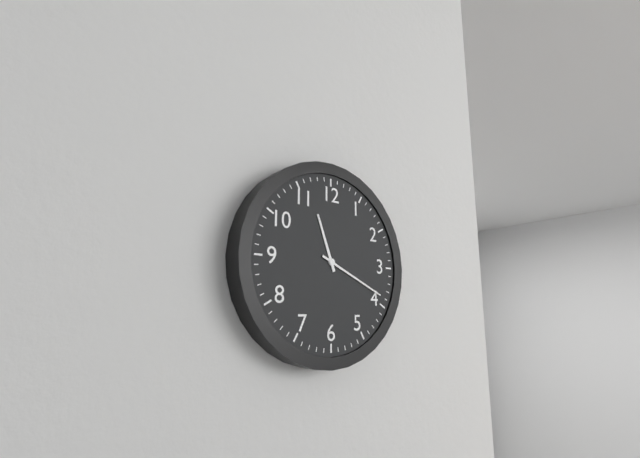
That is 11.19
